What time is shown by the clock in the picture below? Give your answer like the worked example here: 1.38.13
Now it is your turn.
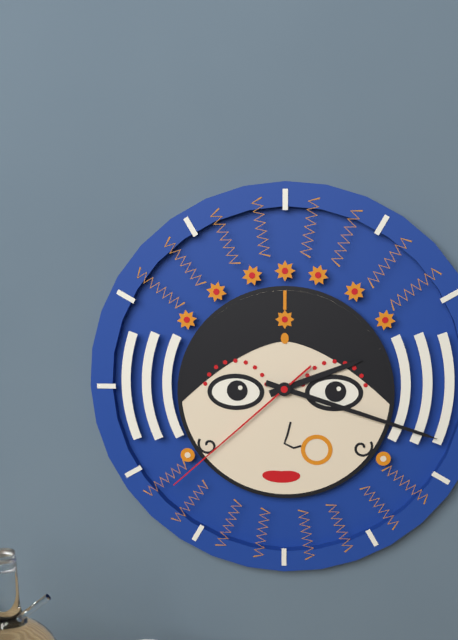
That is 2.18.38
